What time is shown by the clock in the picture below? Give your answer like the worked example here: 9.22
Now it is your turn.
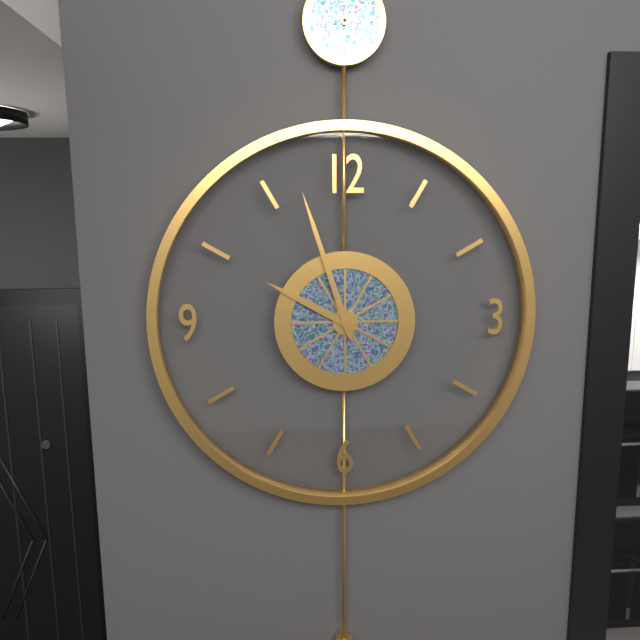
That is 9.57
